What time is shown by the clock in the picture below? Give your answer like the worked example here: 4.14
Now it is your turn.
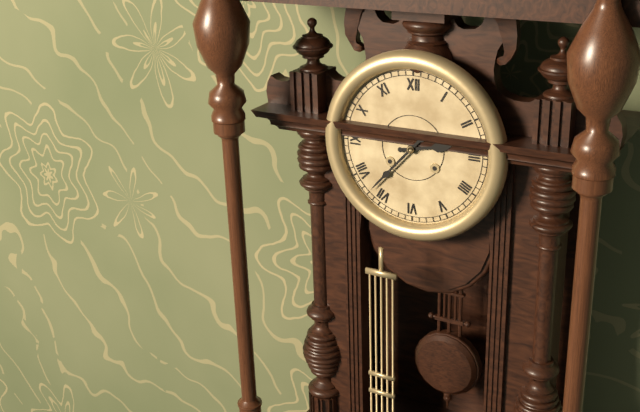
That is 2.37
